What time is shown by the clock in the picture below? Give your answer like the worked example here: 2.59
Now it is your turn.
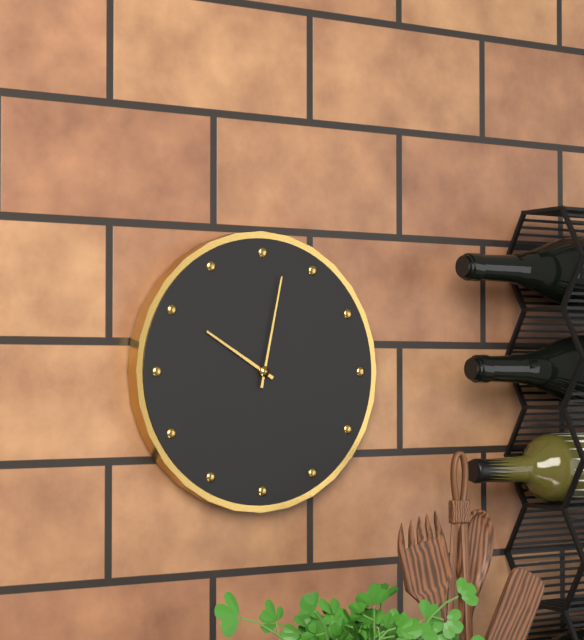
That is 10.02
